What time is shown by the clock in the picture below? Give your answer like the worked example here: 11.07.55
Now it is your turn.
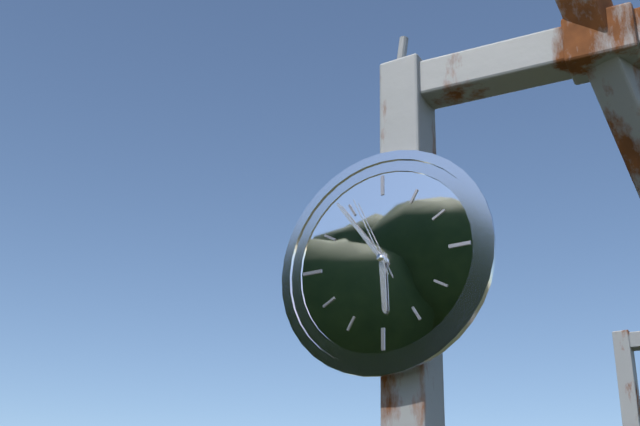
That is 5.54.56
